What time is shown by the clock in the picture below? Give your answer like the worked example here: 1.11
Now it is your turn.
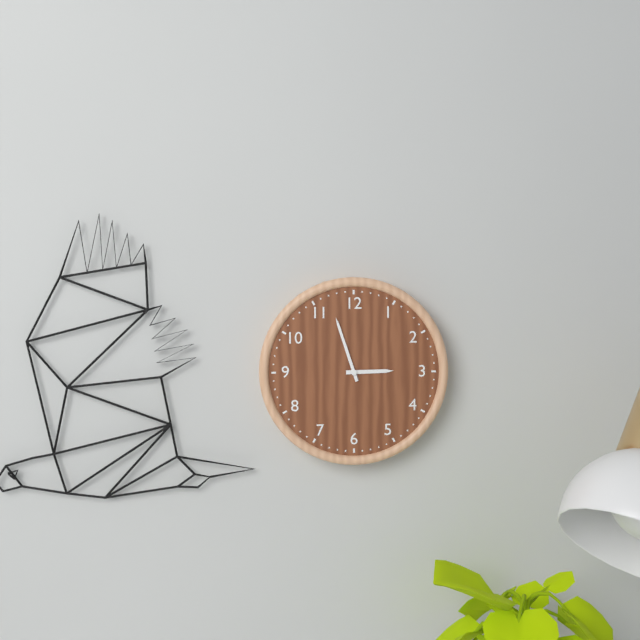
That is 2.57
